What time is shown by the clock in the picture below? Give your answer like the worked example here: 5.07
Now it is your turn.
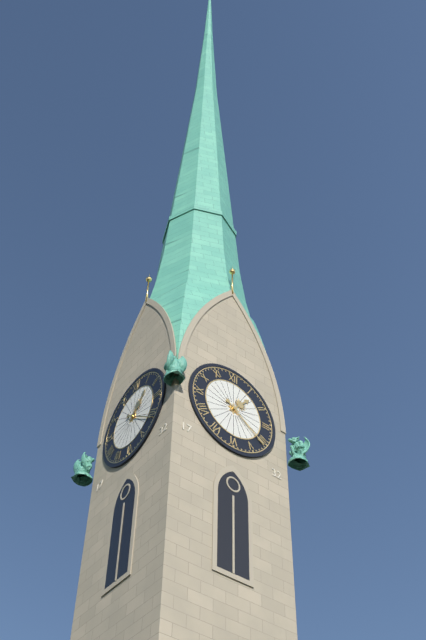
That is 1.21
